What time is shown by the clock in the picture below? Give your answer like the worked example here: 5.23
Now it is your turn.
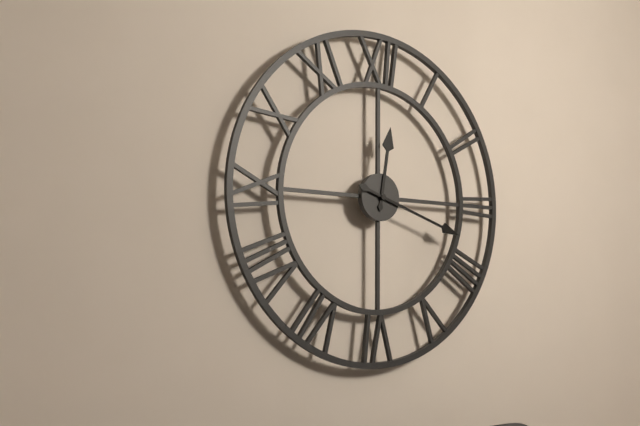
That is 12.18
